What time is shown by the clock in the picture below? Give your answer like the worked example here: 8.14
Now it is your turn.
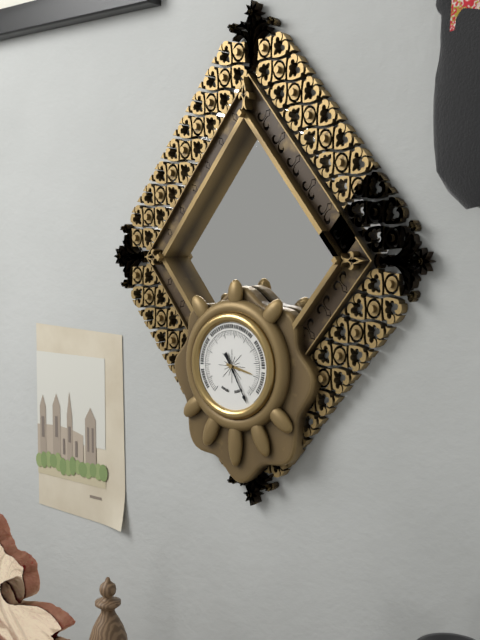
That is 3.25
